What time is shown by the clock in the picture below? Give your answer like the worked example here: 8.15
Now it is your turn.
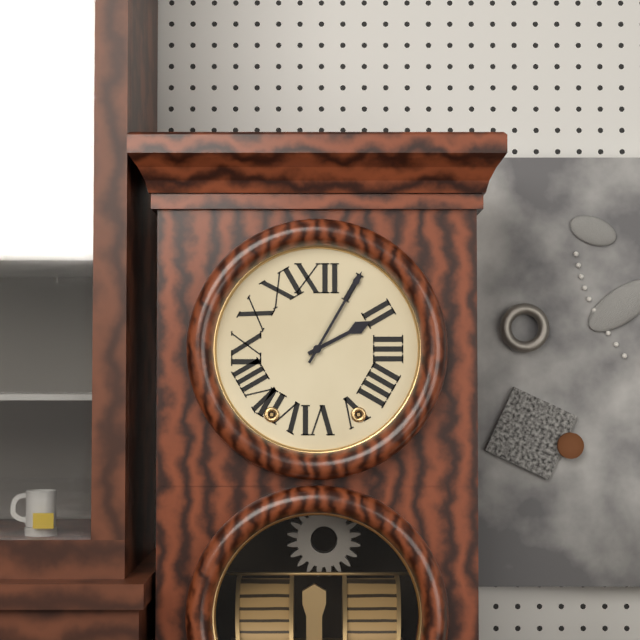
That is 2.05
